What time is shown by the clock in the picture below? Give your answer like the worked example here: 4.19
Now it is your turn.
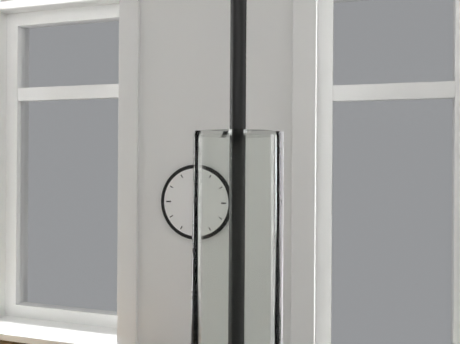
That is 12.00
